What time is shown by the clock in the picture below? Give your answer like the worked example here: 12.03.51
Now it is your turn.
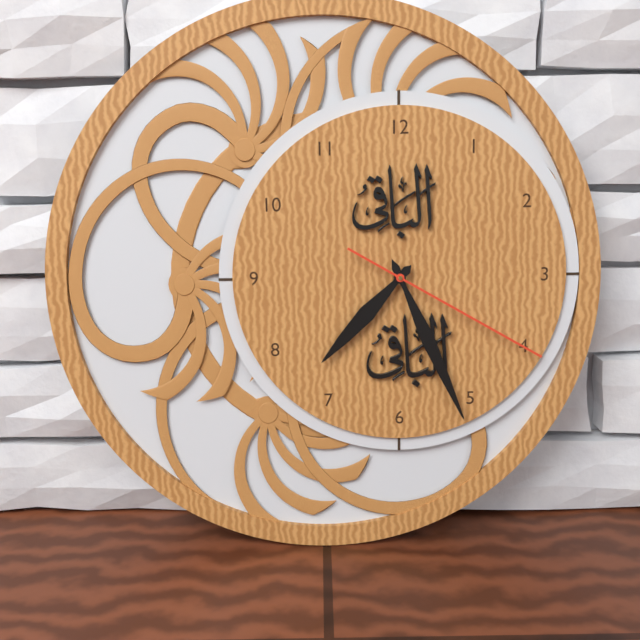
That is 7.26.20
